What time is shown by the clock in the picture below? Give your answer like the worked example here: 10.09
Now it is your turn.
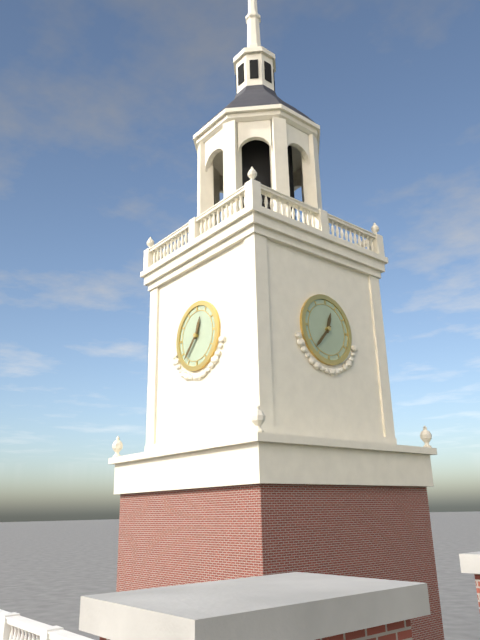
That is 12.37
